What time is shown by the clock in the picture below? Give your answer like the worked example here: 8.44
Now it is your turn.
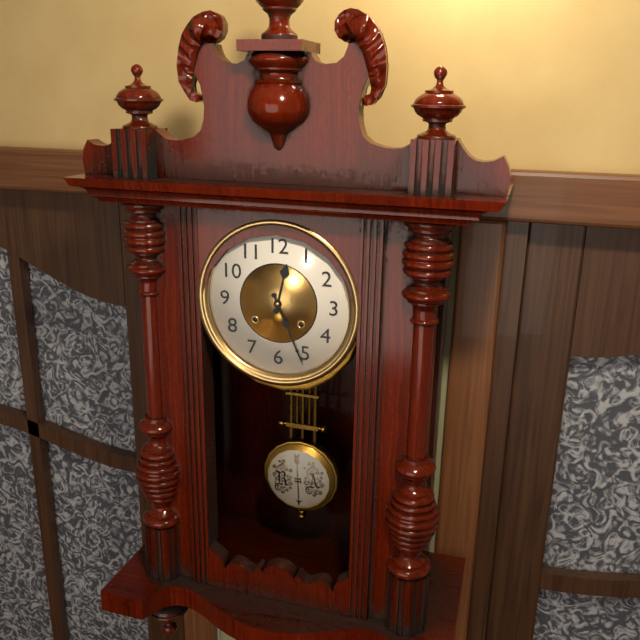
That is 12.26
